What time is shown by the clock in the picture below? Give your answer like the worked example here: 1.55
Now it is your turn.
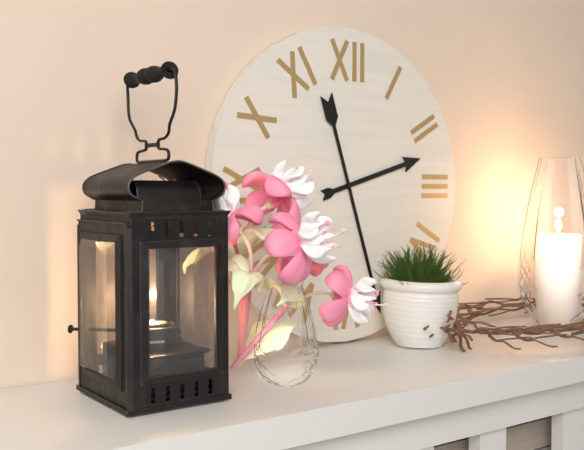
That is 2.27
